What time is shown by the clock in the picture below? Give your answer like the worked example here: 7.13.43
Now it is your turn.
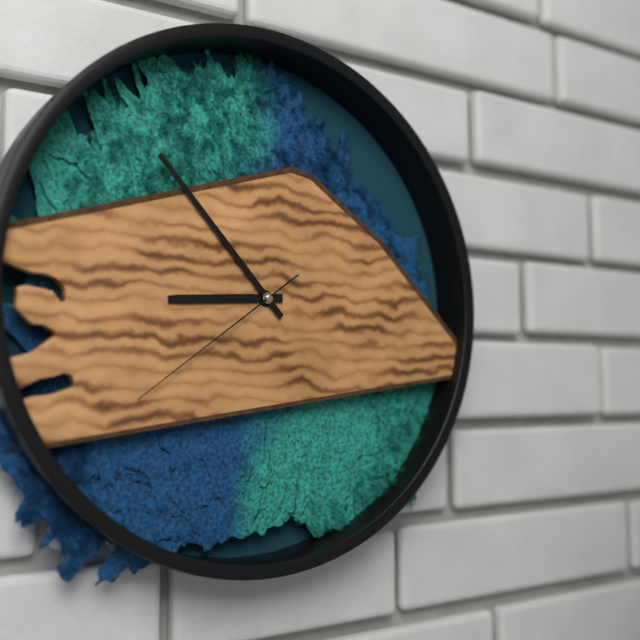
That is 8.53.39
